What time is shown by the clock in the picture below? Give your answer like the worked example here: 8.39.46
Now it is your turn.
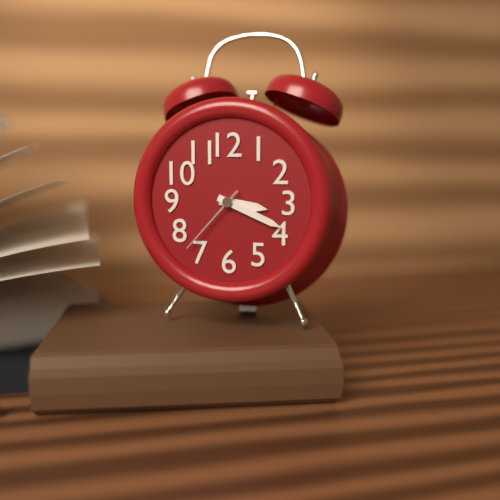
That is 3.19.37
